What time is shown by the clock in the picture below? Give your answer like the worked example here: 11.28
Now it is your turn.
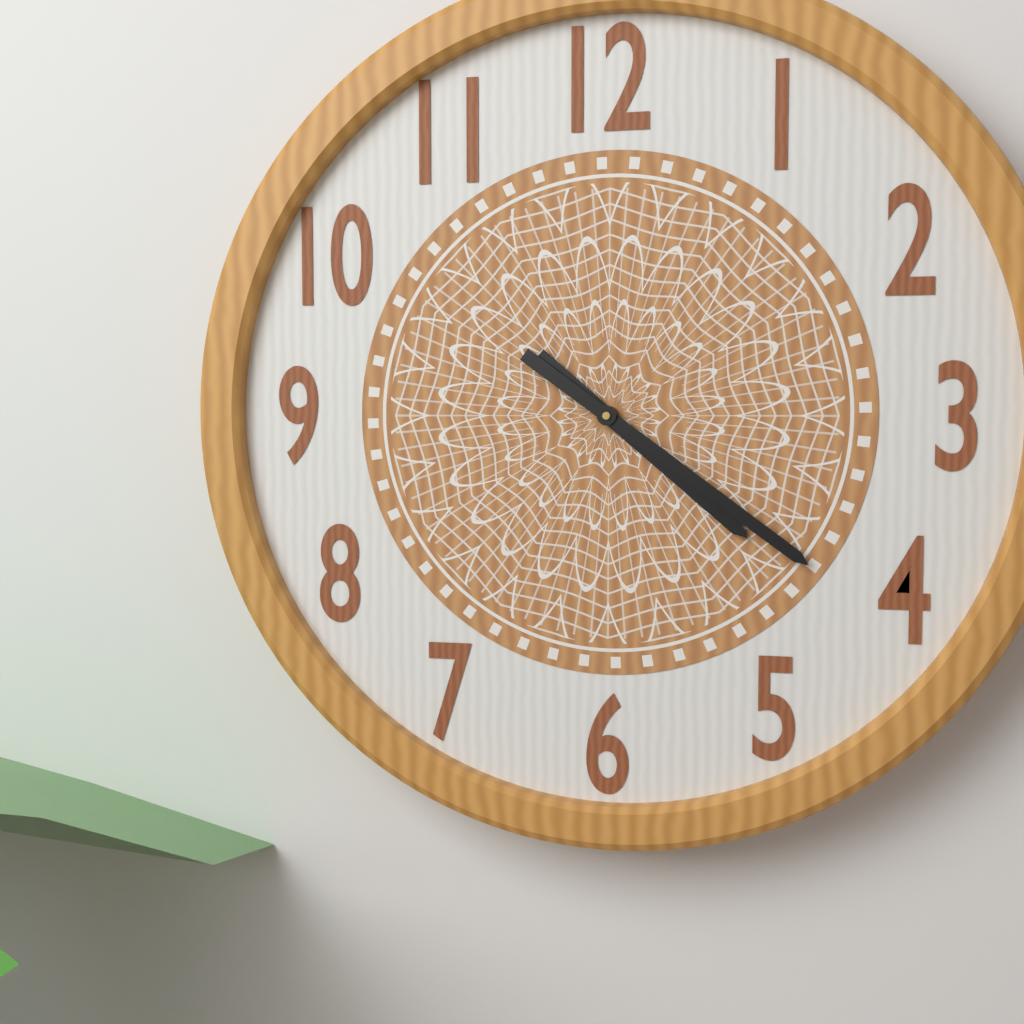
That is 4.21
